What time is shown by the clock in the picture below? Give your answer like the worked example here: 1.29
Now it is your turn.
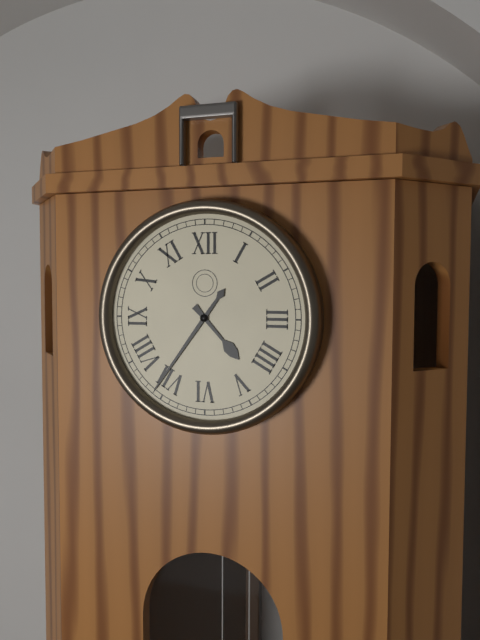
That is 4.36
